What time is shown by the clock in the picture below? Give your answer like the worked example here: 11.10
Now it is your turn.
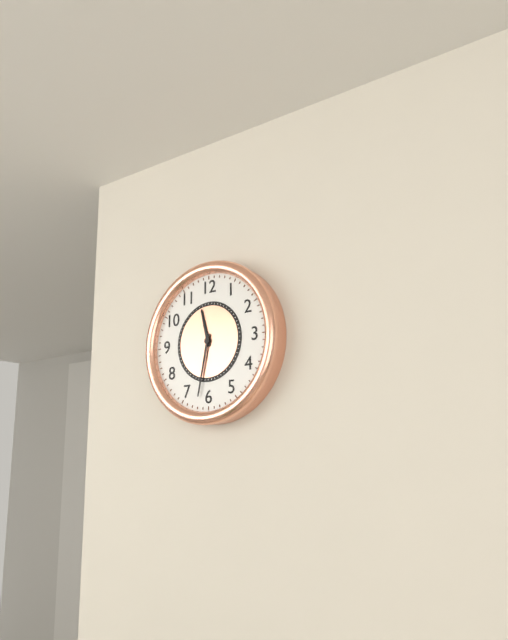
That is 11.32
